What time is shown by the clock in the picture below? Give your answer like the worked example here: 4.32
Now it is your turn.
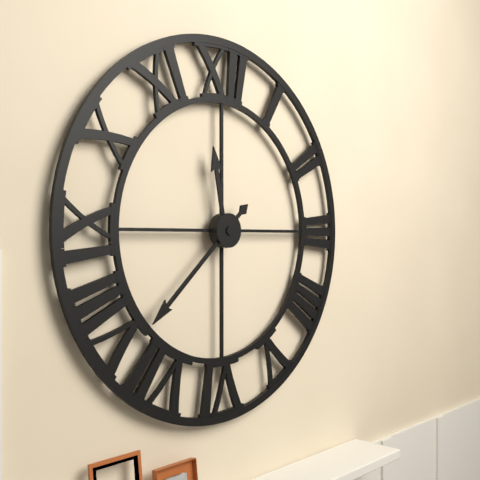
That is 11.38
